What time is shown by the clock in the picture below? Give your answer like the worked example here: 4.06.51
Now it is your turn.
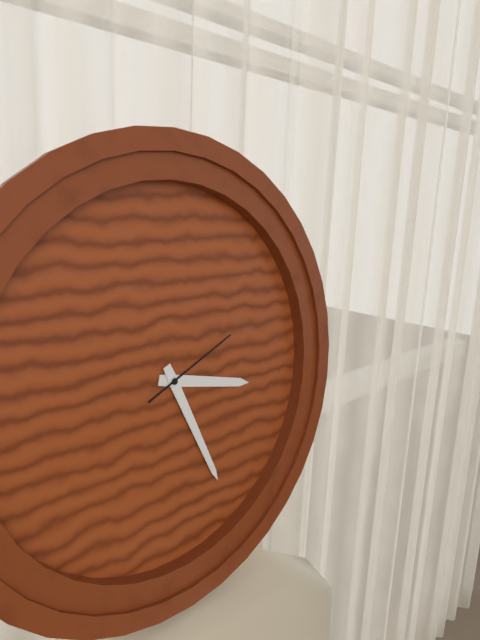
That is 3.26.11
